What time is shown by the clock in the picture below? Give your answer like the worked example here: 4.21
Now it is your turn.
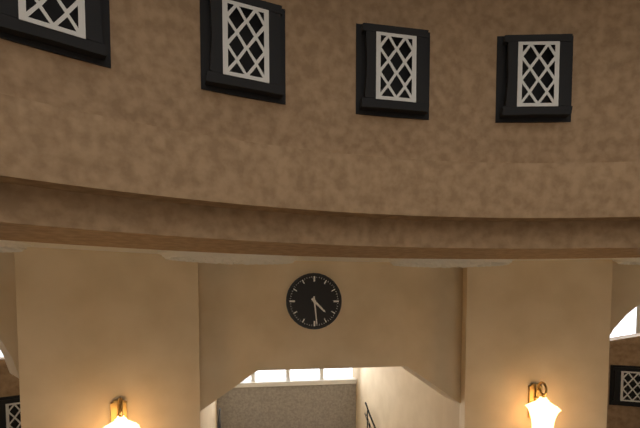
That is 4.29
